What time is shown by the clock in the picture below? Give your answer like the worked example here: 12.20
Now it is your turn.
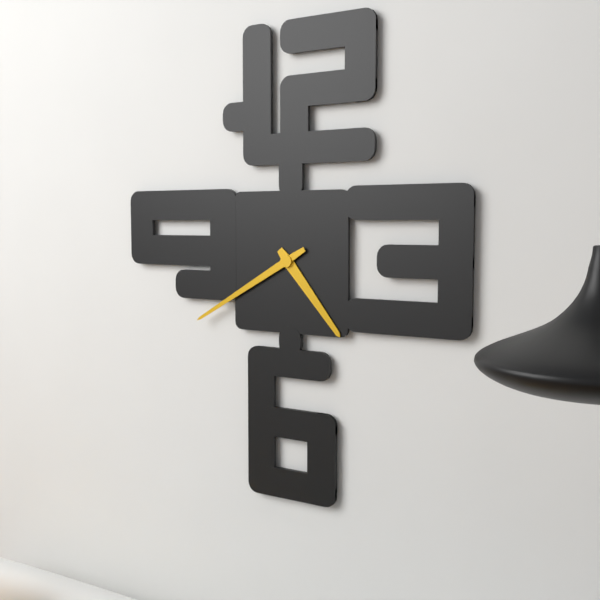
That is 4.40
